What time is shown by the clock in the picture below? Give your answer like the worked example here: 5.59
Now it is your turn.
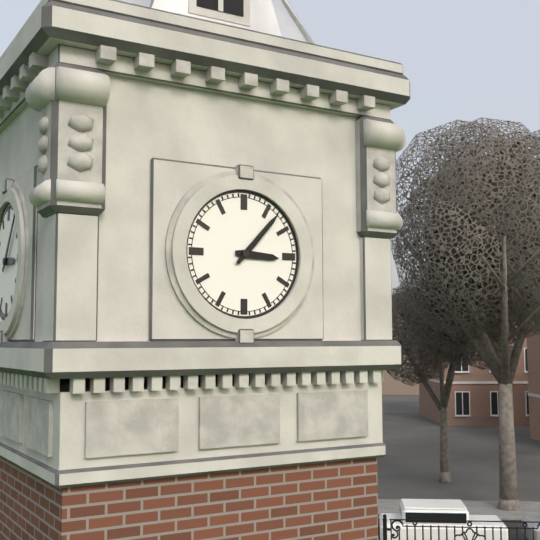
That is 3.07
